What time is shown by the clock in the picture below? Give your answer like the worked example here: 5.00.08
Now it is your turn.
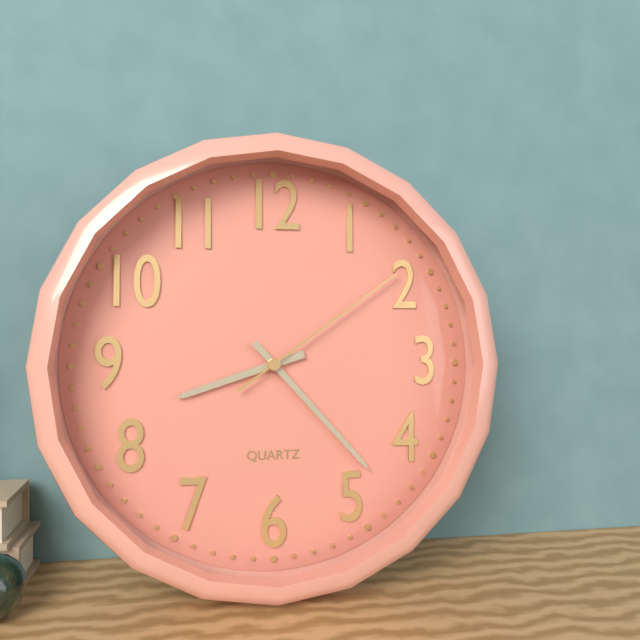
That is 8.23.09
